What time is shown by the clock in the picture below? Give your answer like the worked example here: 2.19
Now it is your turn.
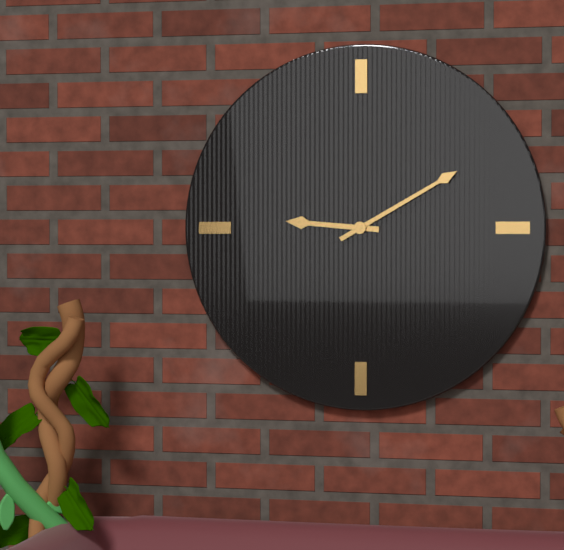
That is 9.10
